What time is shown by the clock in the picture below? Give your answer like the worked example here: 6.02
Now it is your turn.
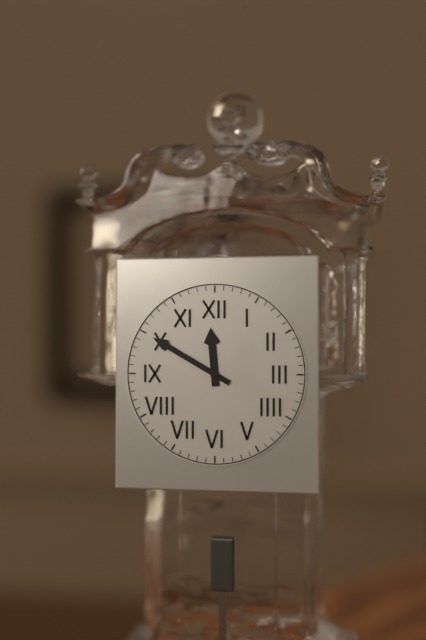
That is 11.50
